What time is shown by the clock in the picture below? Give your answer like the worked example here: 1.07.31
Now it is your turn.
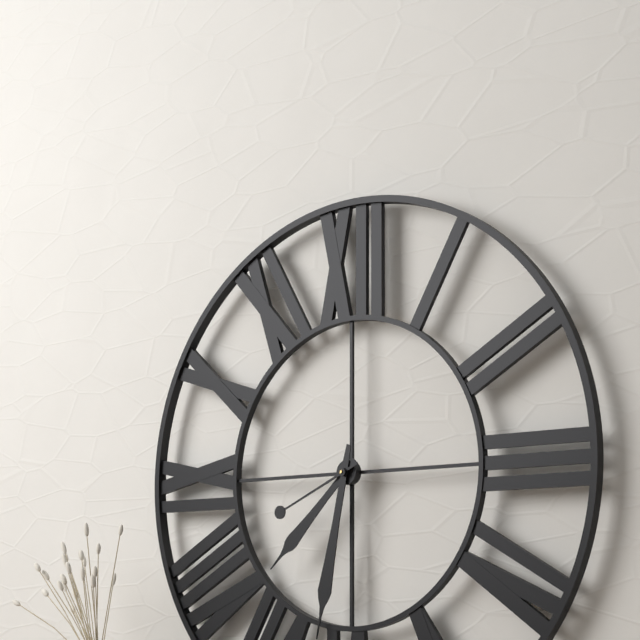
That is 7.32.41
